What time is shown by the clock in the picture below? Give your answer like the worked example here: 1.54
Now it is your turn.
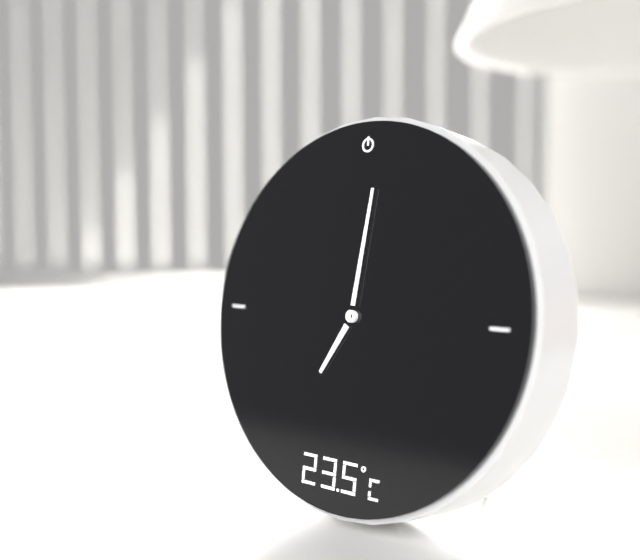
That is 7.01
